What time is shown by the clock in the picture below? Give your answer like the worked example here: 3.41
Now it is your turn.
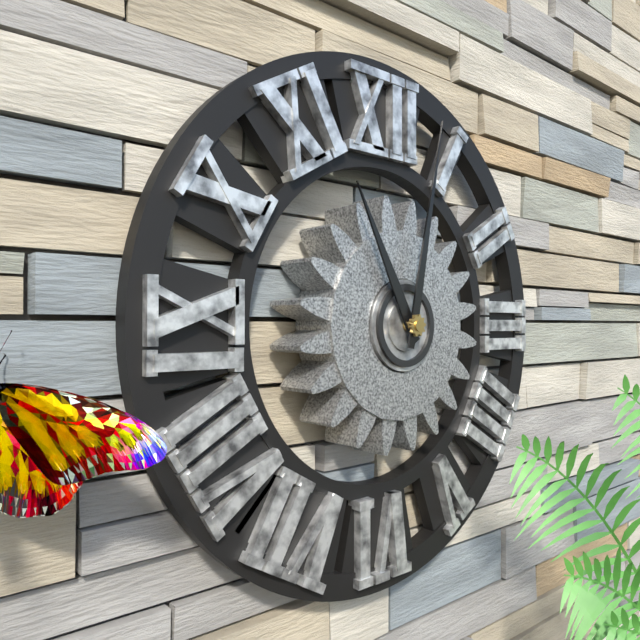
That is 11.02
